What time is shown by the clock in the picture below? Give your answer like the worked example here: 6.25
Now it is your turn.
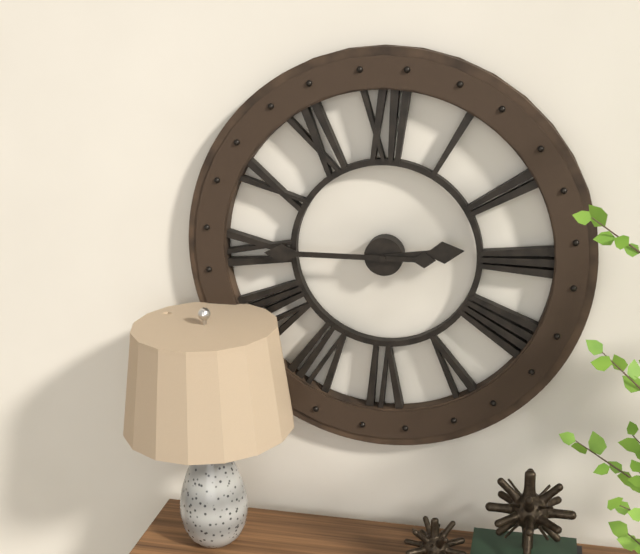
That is 2.45
